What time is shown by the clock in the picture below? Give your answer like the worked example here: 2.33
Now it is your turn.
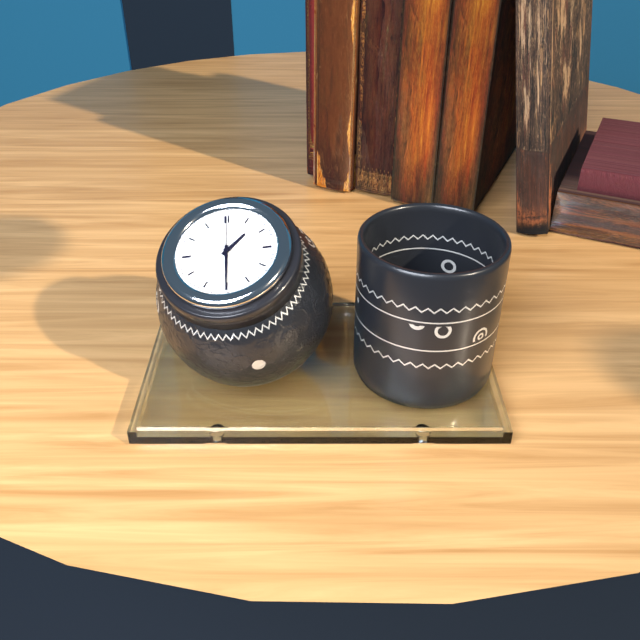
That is 1.30
